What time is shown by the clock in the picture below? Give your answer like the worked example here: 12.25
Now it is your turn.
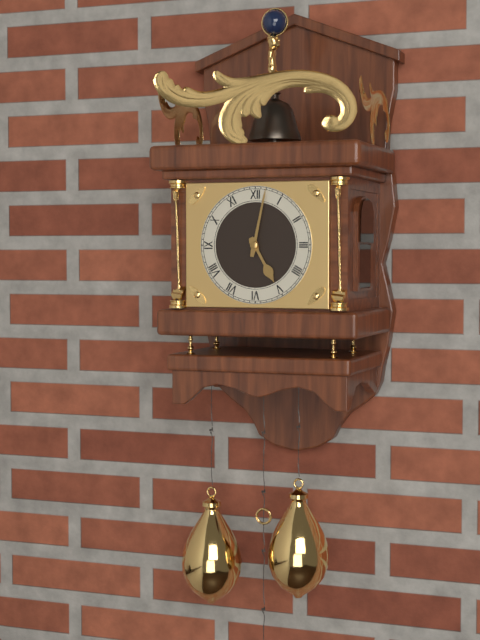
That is 5.02
